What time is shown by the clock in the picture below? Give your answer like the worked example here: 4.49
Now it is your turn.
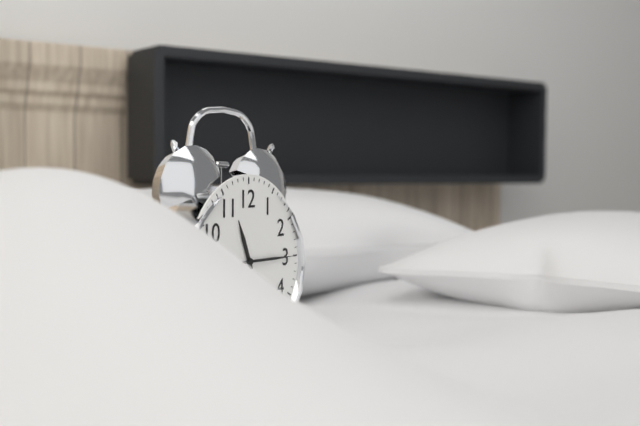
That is 11.15
